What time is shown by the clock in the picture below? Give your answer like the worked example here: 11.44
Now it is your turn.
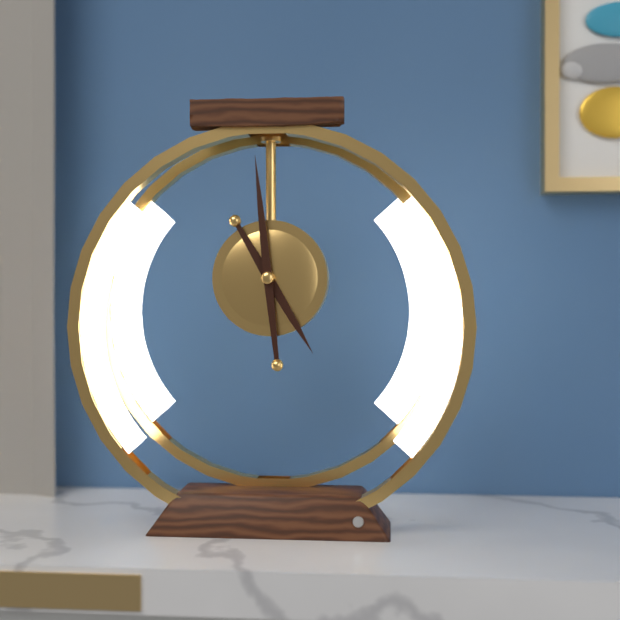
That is 4.59
